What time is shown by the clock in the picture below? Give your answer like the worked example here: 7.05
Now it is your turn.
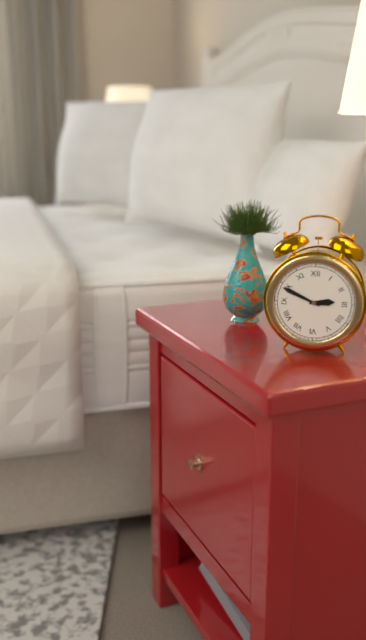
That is 2.49
